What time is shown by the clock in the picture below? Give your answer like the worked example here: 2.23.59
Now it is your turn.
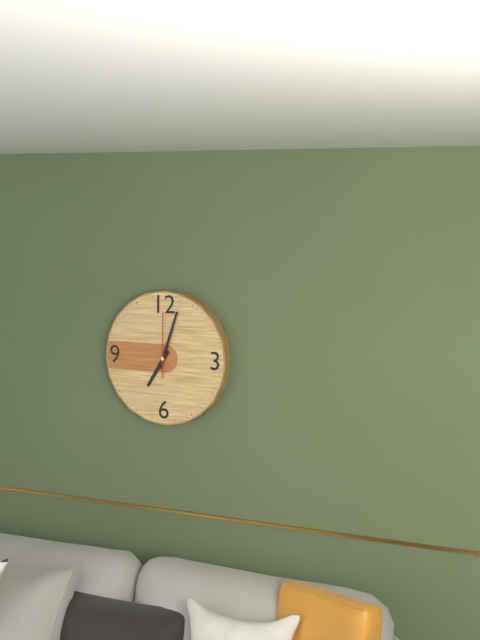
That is 7.03.00
